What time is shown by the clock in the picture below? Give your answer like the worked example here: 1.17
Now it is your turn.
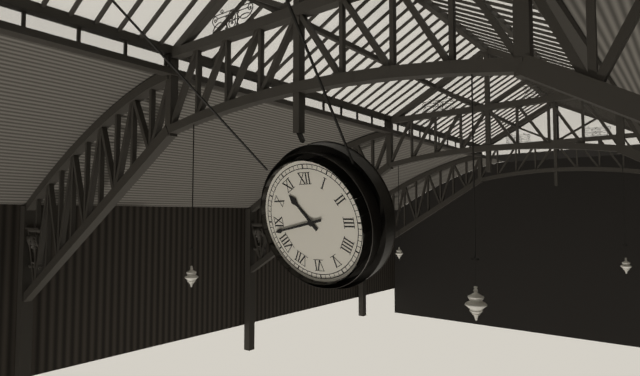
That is 10.43
